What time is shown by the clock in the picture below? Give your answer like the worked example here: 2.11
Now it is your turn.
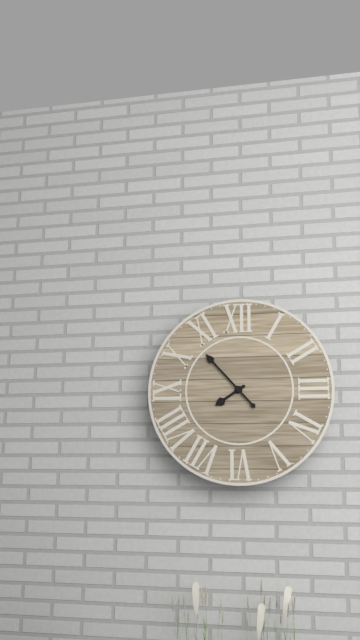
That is 7.53
